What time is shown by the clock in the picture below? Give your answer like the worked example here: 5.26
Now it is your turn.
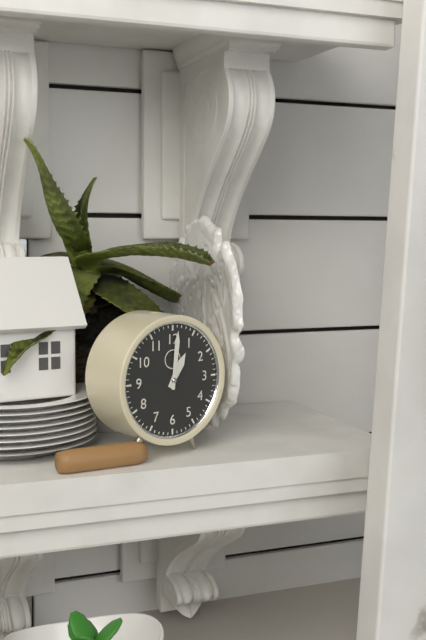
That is 1.01
